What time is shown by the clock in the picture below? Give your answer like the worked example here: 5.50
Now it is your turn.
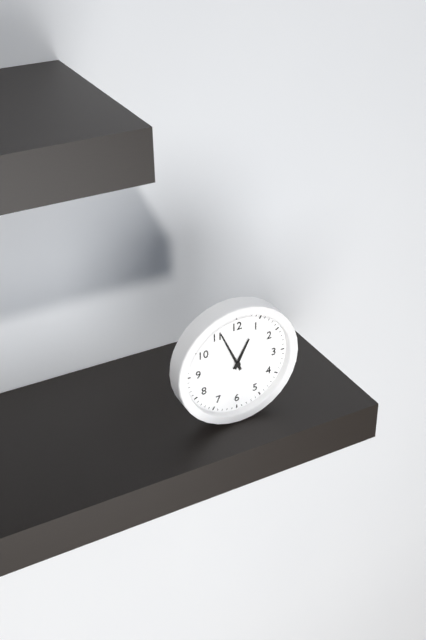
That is 12.56
